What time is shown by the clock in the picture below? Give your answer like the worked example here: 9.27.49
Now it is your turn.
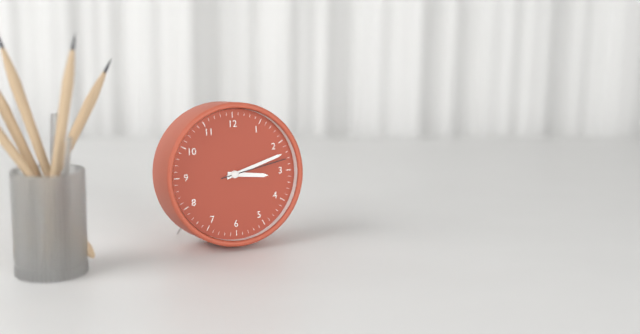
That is 3.12.13
